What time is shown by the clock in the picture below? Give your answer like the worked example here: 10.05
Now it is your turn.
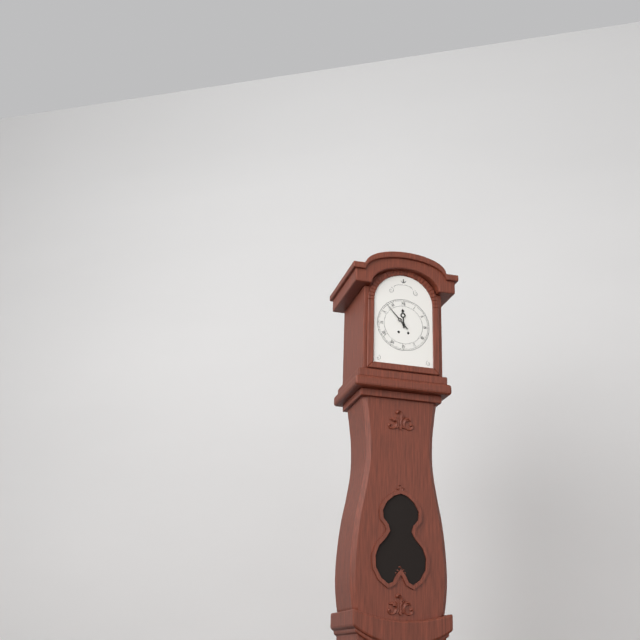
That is 11.53
